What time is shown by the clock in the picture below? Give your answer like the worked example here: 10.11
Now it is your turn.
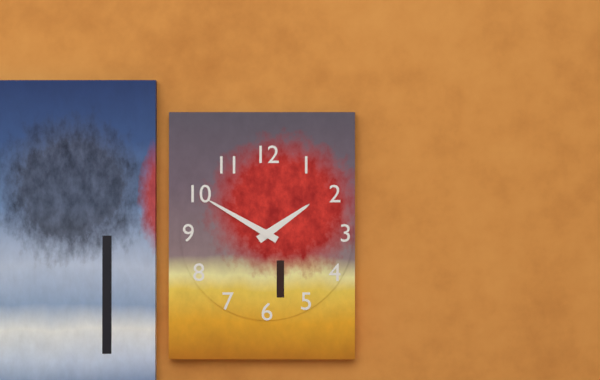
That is 1.50
